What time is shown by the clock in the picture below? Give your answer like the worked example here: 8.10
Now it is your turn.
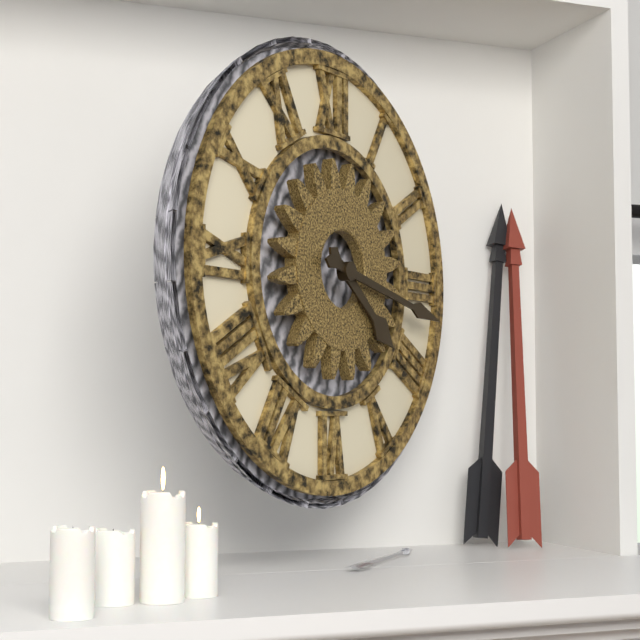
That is 4.17
